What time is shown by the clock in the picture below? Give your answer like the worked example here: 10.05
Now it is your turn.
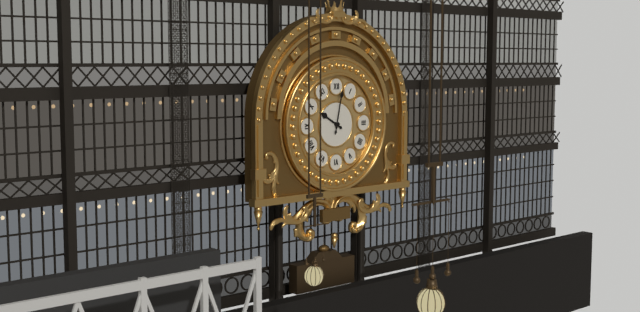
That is 10.02
